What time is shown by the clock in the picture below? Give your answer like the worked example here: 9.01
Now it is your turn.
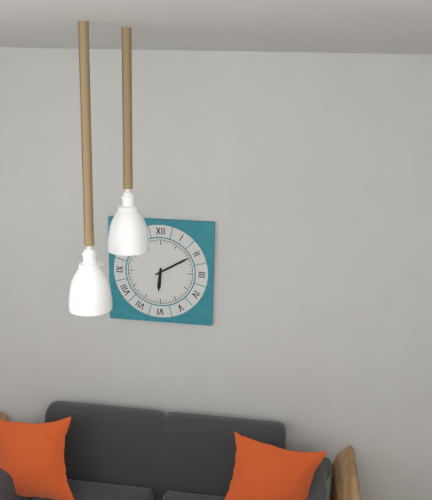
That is 6.10
